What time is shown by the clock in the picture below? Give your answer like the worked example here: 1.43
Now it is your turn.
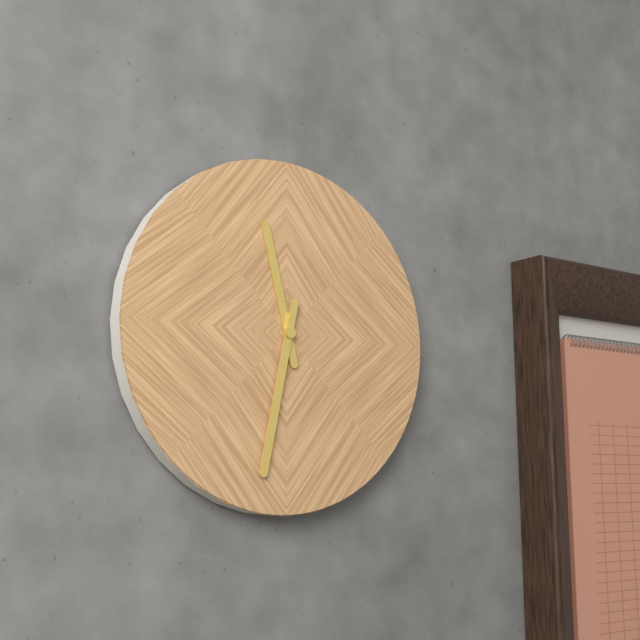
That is 11.32
